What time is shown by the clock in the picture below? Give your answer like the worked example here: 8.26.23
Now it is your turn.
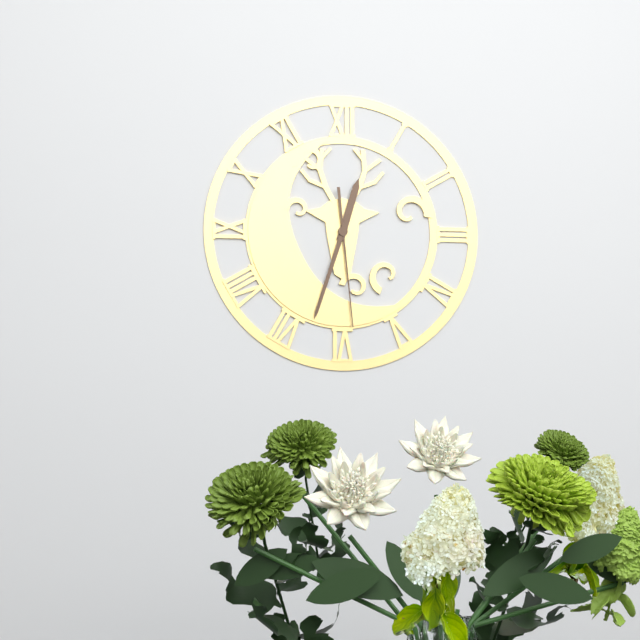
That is 12.33.29
